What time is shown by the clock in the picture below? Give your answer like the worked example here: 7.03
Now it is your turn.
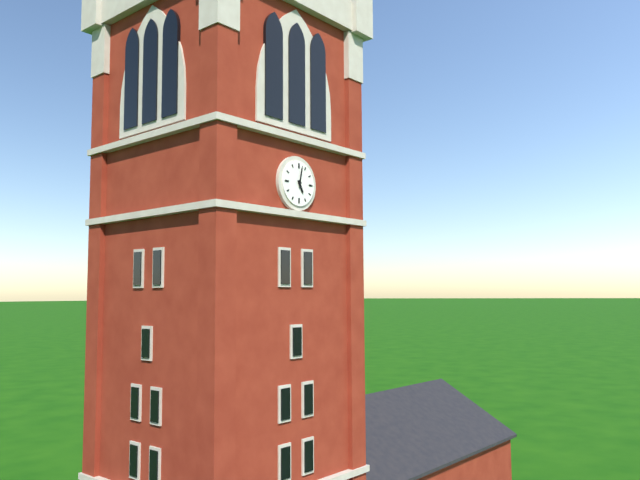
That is 5.02
